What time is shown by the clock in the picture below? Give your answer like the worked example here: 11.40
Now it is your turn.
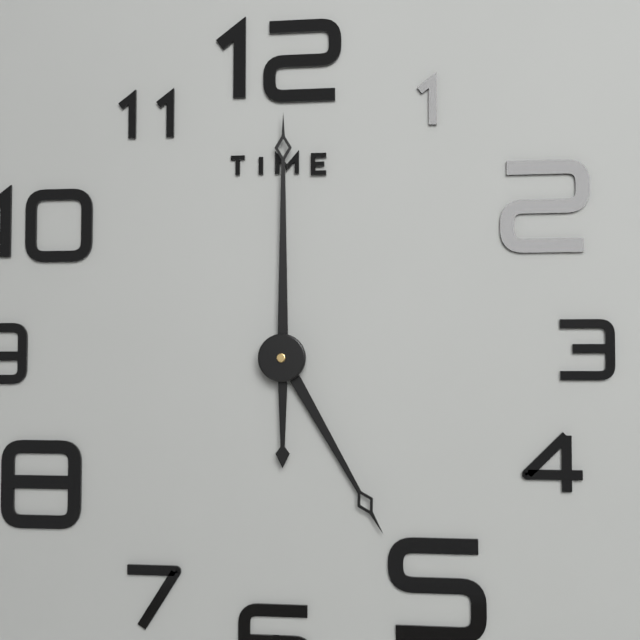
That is 5.00
